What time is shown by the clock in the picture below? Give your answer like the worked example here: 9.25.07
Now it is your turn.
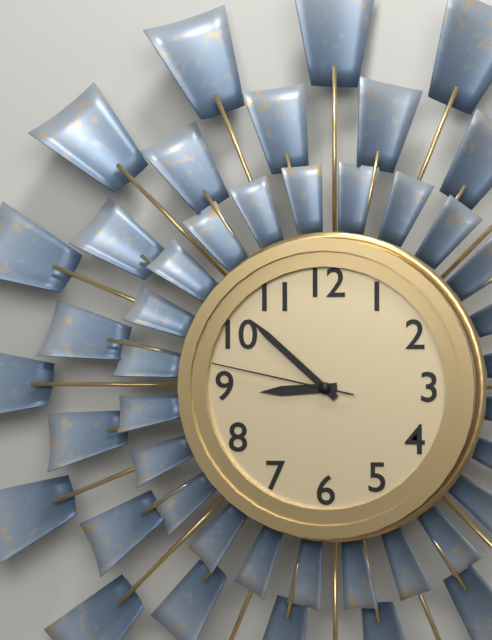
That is 8.52.47
